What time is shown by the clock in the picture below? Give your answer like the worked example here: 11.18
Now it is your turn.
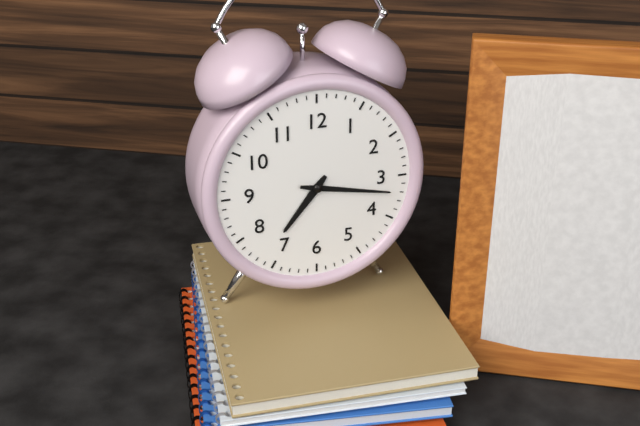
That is 7.17
